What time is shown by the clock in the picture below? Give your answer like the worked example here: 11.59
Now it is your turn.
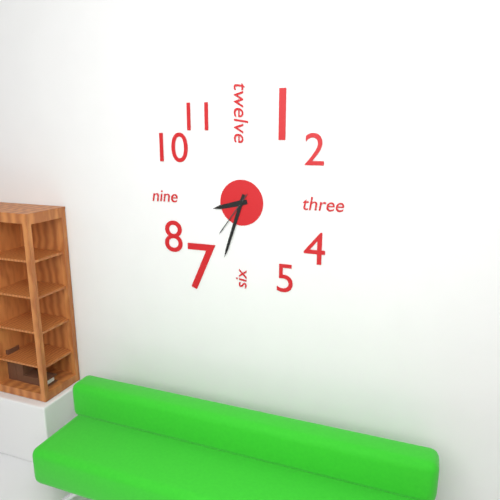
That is 8.33
